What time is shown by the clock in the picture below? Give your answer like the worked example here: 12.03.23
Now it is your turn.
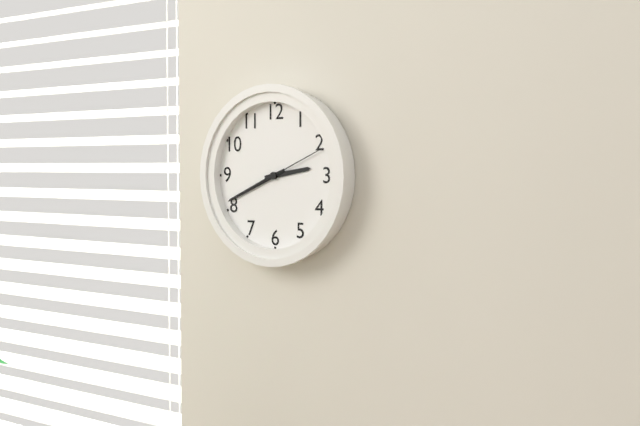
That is 2.41.11
